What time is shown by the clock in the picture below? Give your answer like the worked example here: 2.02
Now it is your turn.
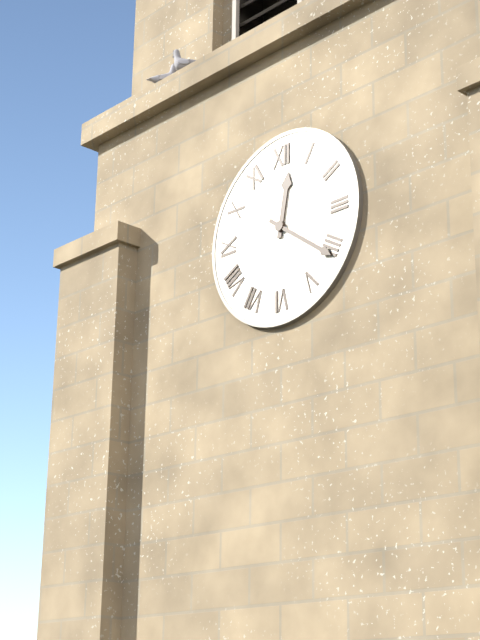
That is 12.21
